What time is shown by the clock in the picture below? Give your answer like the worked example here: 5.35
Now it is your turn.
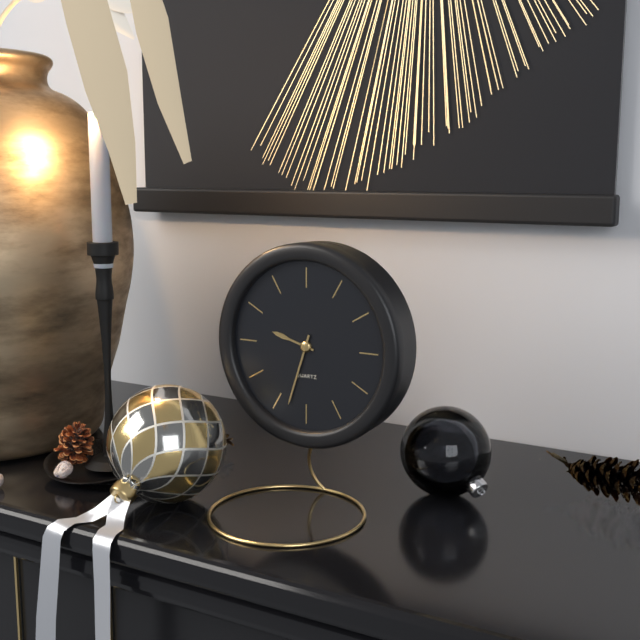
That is 9.33
